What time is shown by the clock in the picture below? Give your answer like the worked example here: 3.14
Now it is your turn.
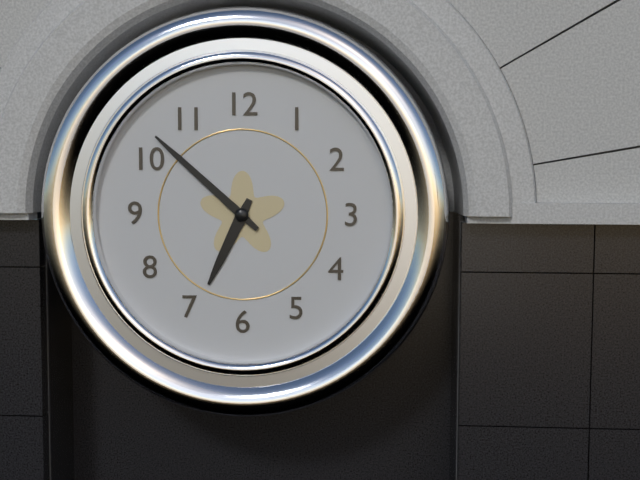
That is 6.52
